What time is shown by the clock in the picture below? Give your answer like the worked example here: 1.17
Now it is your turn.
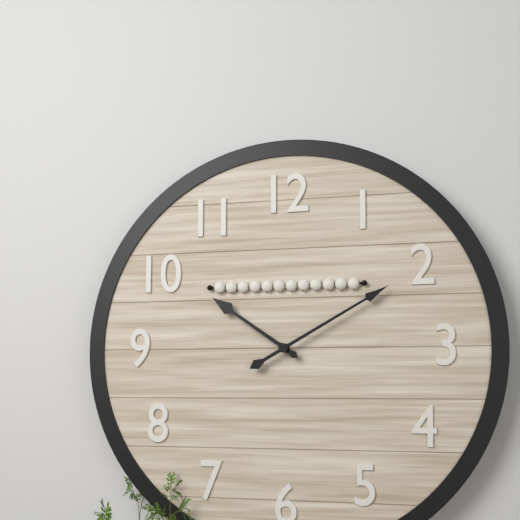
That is 10.10
